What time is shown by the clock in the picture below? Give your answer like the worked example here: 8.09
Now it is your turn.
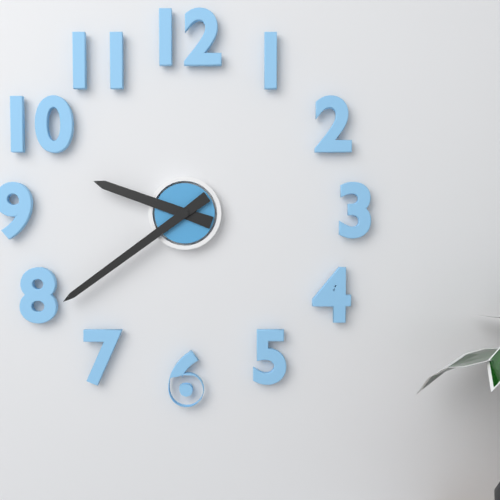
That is 9.39
